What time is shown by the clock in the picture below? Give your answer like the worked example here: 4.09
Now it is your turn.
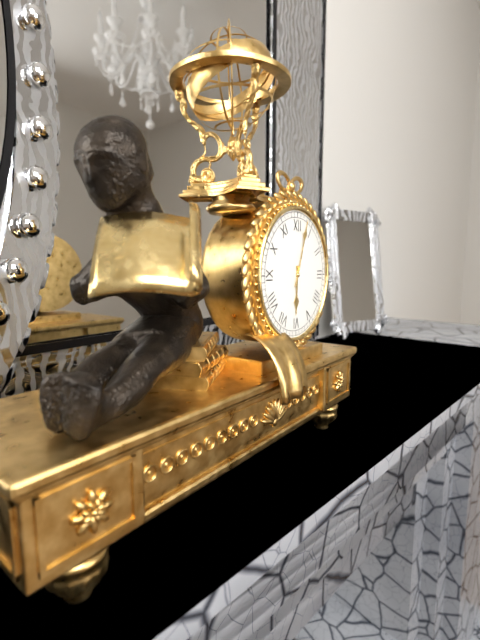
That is 6.03
